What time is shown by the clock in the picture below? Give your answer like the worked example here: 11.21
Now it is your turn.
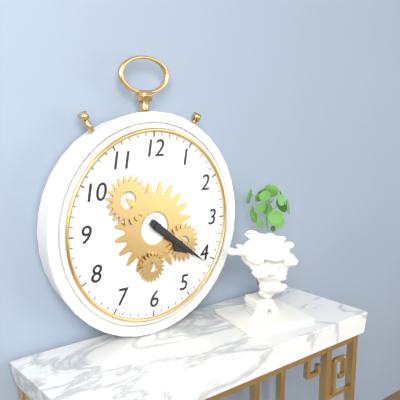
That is 4.21
